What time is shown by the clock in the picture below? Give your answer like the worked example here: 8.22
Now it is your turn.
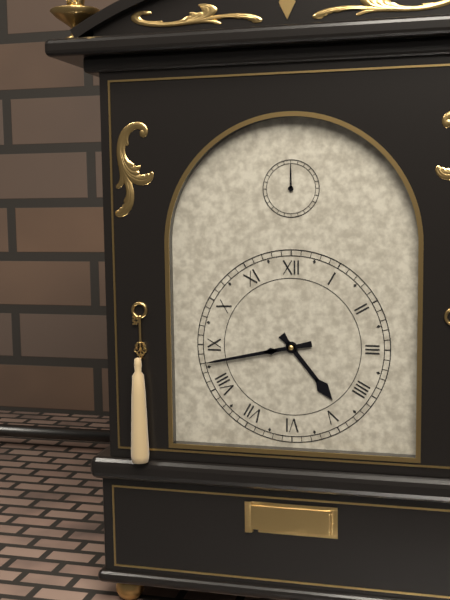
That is 4.43
